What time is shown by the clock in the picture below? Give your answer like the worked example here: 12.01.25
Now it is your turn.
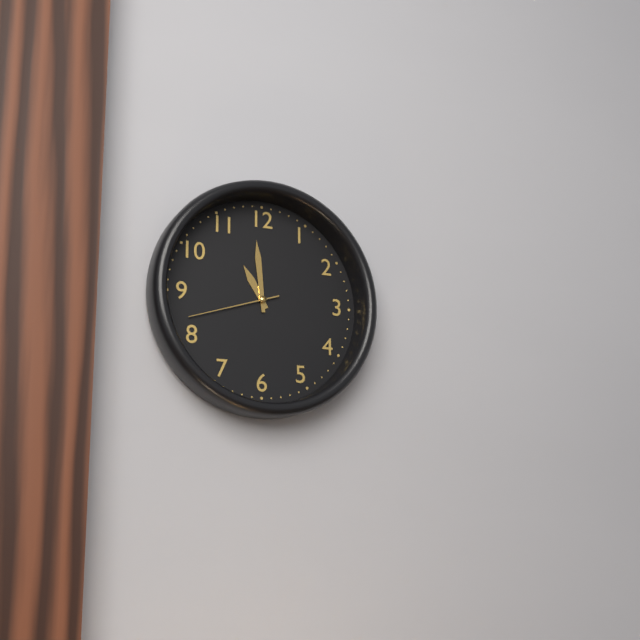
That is 10.59.42
